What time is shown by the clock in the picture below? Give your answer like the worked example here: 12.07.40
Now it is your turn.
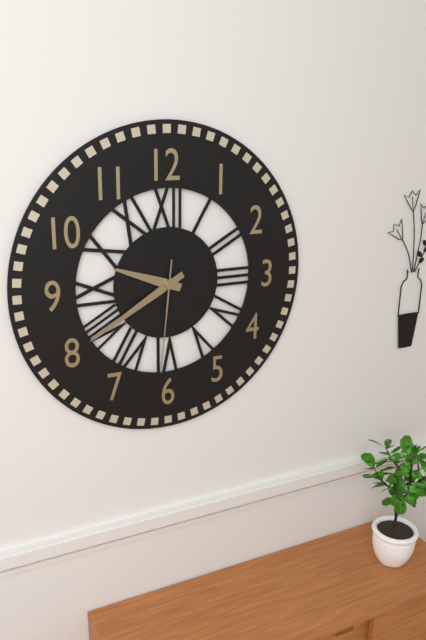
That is 9.40.31
